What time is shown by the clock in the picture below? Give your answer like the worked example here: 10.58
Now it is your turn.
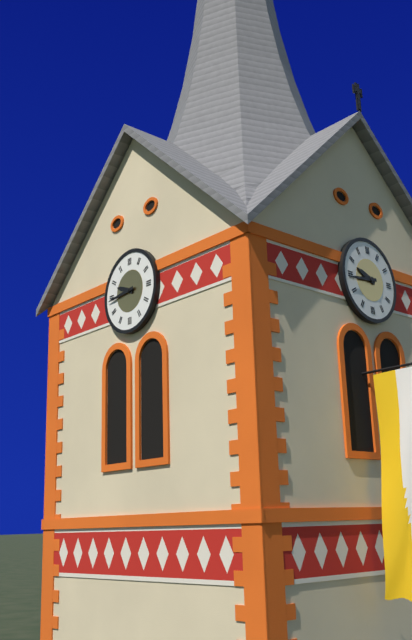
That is 9.44
